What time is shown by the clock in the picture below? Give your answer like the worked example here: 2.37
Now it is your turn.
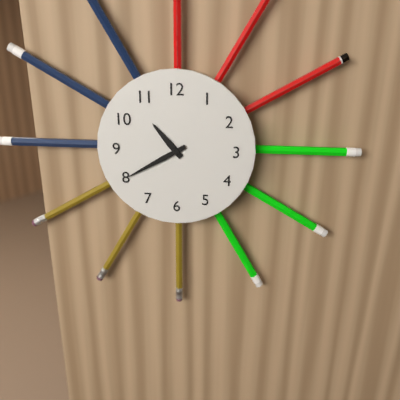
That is 10.40
